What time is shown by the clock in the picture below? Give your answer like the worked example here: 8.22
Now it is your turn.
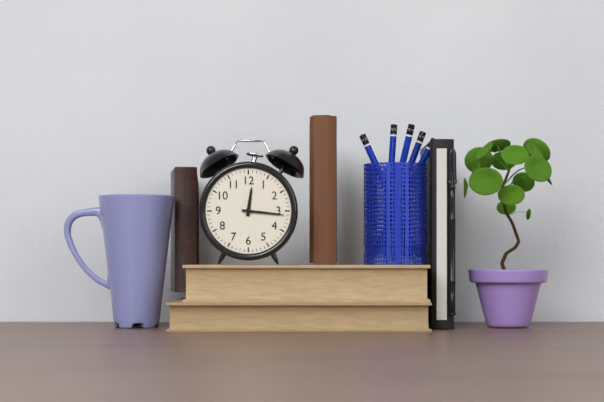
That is 12.16
